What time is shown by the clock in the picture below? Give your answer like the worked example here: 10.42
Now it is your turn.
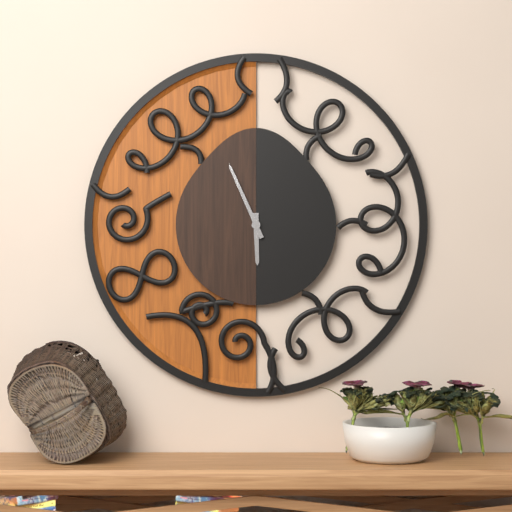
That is 5.56
